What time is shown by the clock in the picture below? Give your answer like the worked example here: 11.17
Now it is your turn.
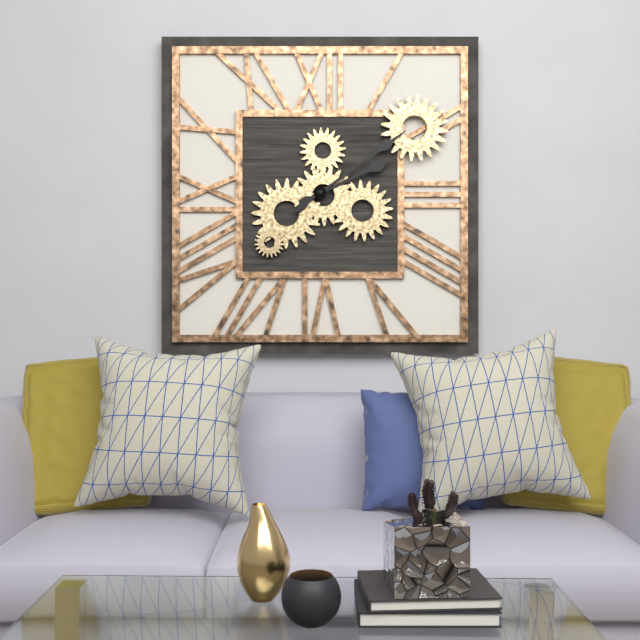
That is 2.09
